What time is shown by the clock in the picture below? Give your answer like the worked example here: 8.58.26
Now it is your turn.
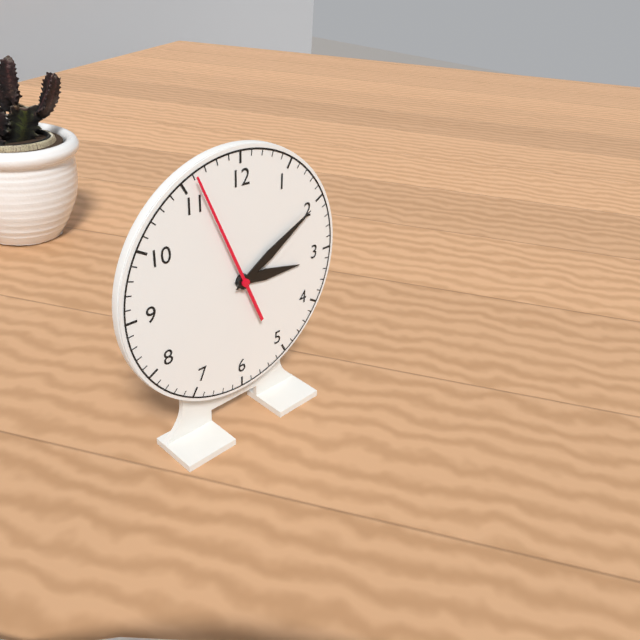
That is 3.10.56
